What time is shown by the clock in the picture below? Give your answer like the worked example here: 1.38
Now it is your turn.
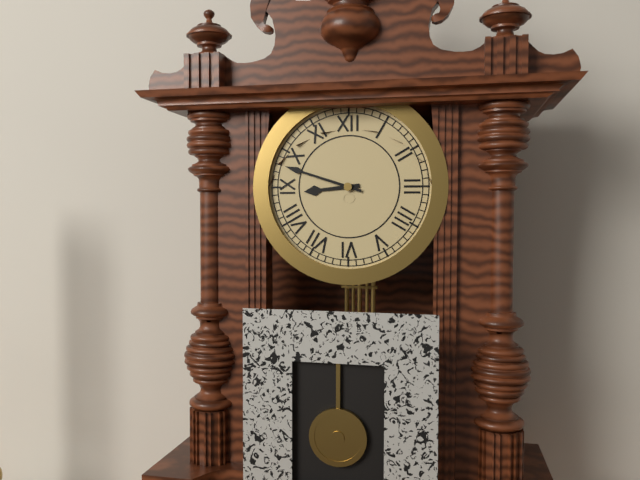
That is 8.48
